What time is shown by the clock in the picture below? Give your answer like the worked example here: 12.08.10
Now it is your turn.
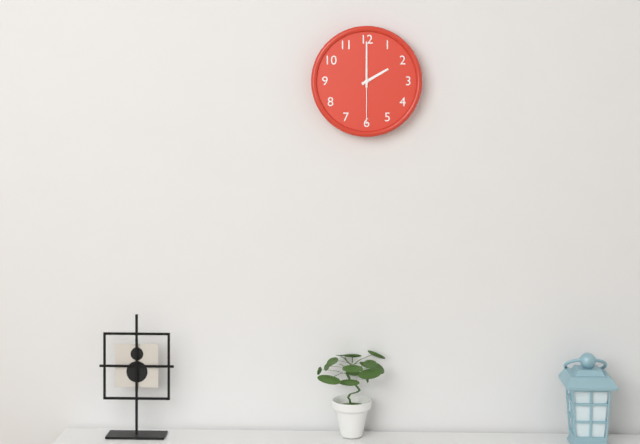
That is 2.00.30
